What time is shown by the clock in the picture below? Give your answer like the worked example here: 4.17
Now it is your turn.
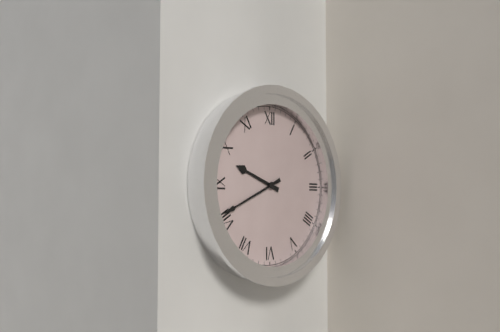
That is 9.41
